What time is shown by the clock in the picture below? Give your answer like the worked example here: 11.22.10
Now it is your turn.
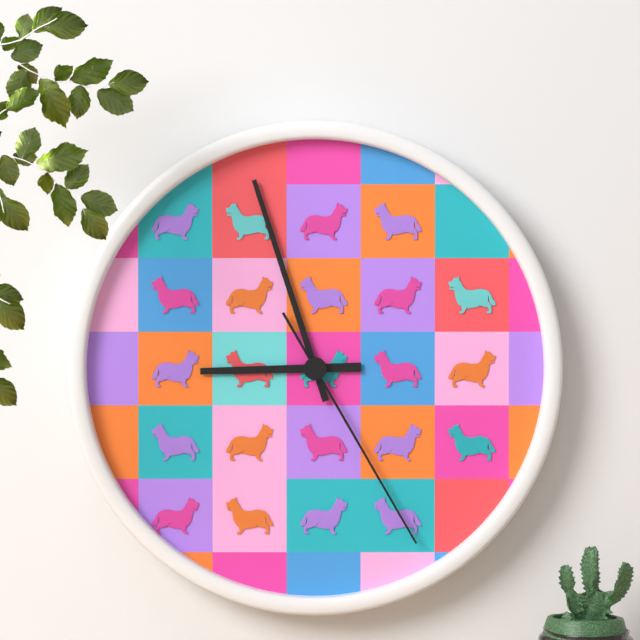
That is 8.57.25
